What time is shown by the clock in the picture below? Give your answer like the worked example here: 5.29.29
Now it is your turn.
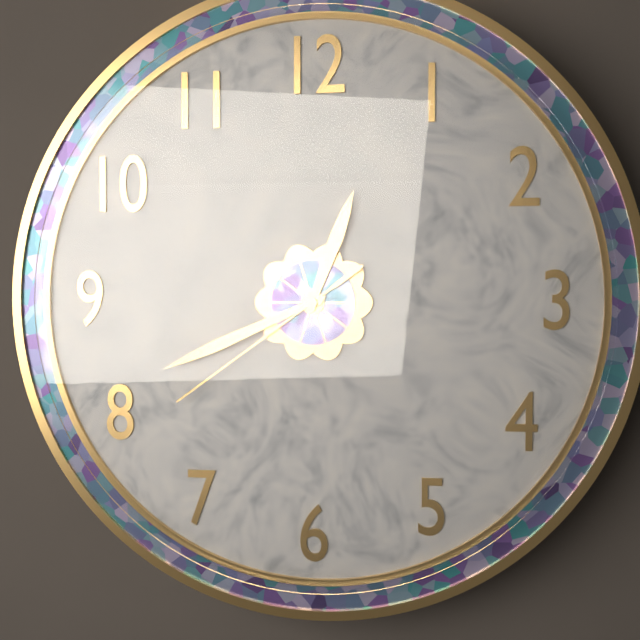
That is 12.41.39
